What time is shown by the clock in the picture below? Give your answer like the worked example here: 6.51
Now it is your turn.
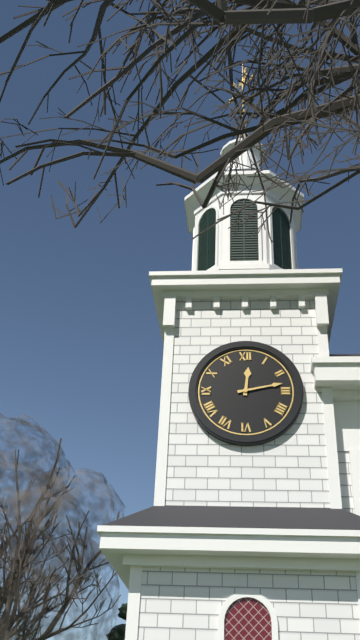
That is 12.13
